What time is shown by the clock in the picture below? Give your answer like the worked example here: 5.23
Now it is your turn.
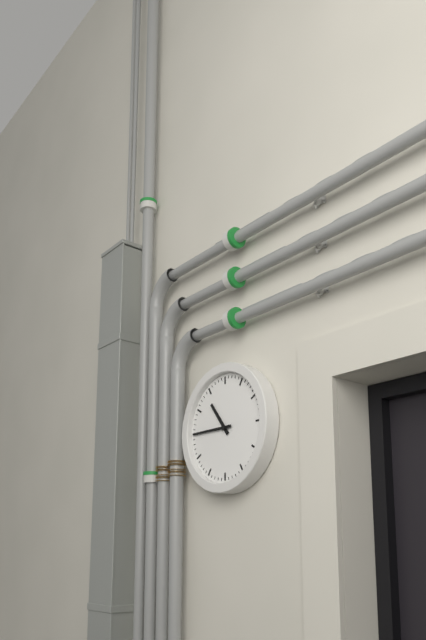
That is 10.45
